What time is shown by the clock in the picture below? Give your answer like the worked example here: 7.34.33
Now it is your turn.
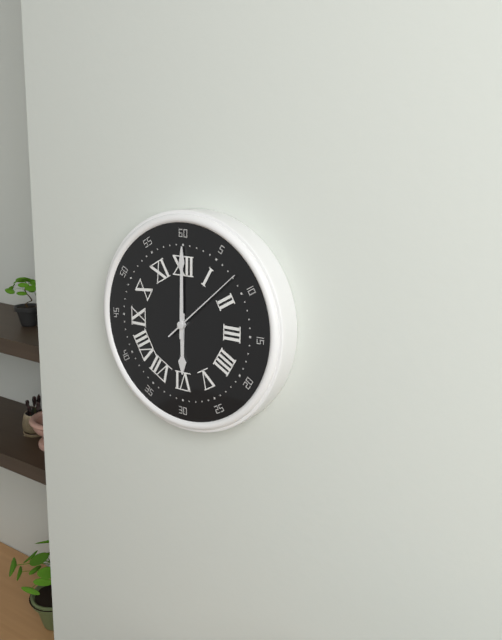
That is 6.00.08
